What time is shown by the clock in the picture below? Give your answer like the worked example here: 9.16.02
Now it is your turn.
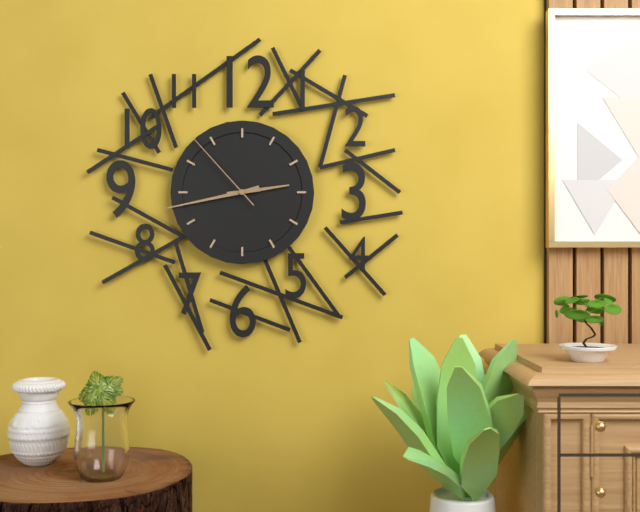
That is 2.43.53
